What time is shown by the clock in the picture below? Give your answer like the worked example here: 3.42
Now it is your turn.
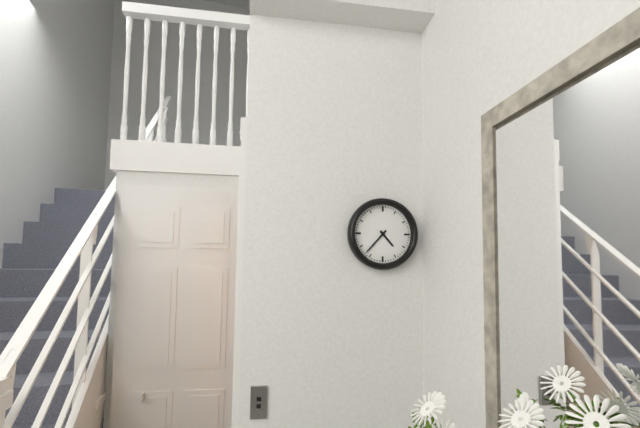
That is 4.37
